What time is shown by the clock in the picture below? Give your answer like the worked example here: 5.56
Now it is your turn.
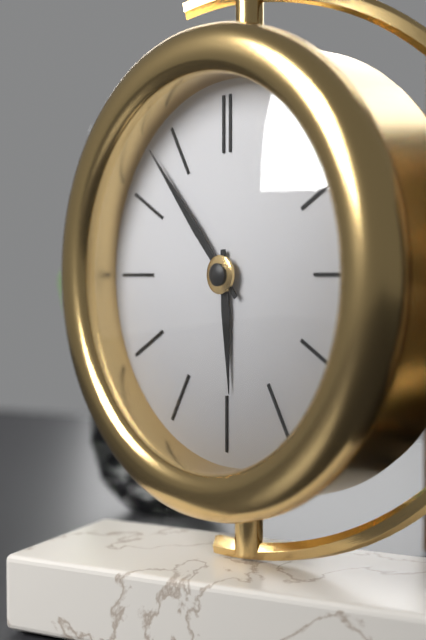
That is 5.53
